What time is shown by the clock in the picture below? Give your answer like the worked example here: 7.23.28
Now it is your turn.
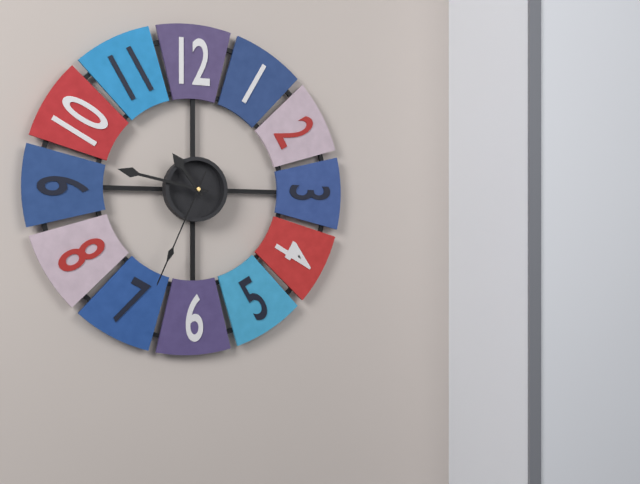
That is 10.47.34
